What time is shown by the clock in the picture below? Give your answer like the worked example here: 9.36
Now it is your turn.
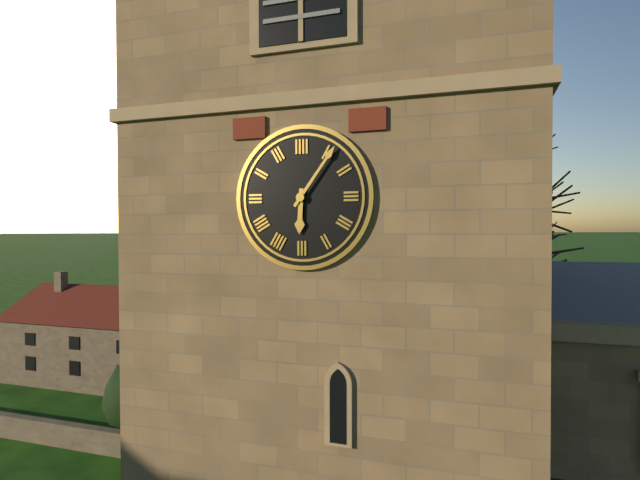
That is 6.06
